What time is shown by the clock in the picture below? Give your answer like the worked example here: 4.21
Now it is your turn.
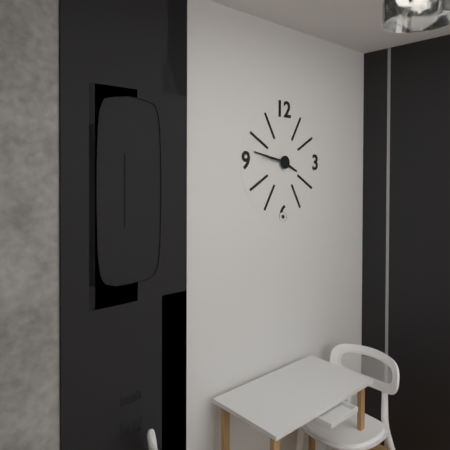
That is 3.47
